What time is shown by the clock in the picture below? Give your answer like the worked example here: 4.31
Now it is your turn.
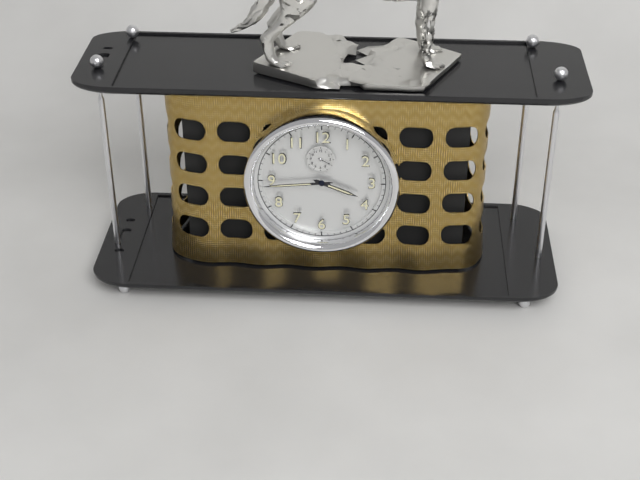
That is 3.44
